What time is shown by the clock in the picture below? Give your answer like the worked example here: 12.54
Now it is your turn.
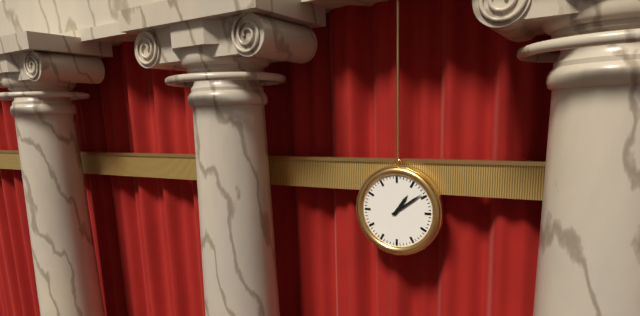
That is 1.09
